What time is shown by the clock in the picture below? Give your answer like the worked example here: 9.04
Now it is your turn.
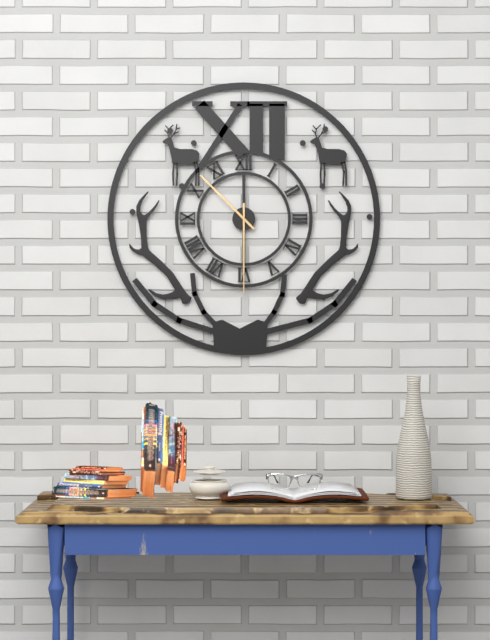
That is 10.30
